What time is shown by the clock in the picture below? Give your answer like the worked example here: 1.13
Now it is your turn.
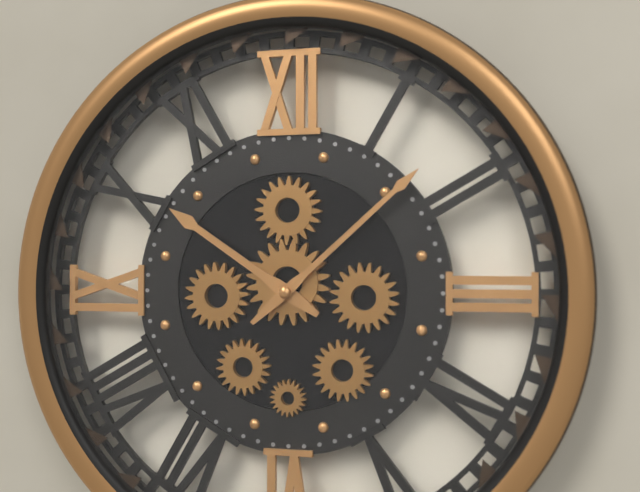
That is 10.08
